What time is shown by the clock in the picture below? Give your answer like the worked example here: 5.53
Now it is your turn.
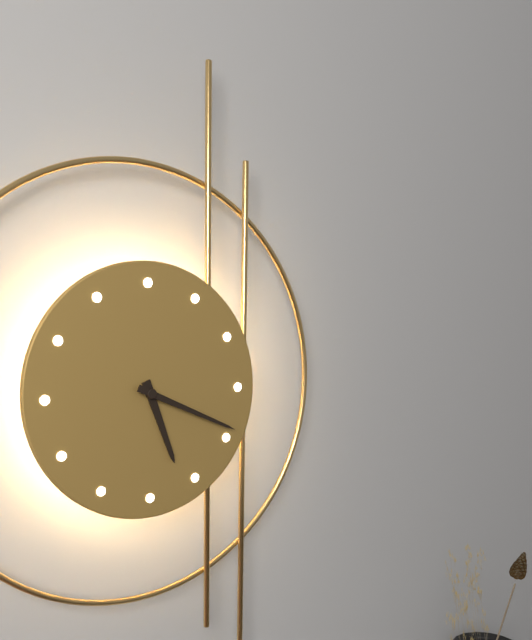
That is 5.19
